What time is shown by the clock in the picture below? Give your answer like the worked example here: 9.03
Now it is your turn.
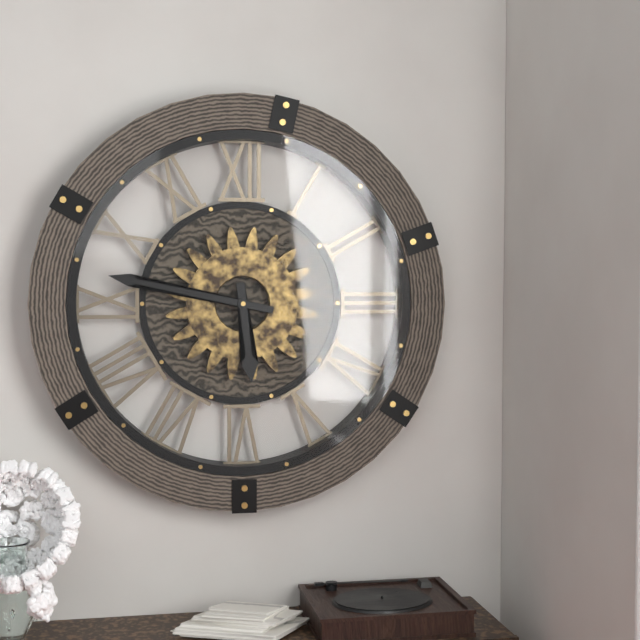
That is 5.47
